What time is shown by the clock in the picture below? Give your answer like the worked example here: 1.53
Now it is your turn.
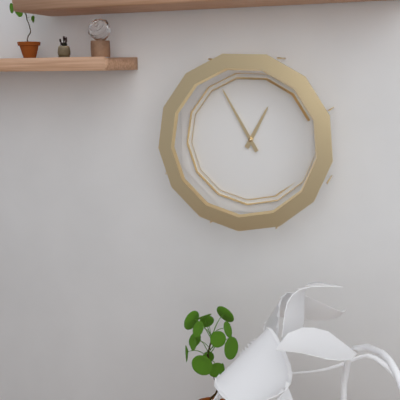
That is 12.55
